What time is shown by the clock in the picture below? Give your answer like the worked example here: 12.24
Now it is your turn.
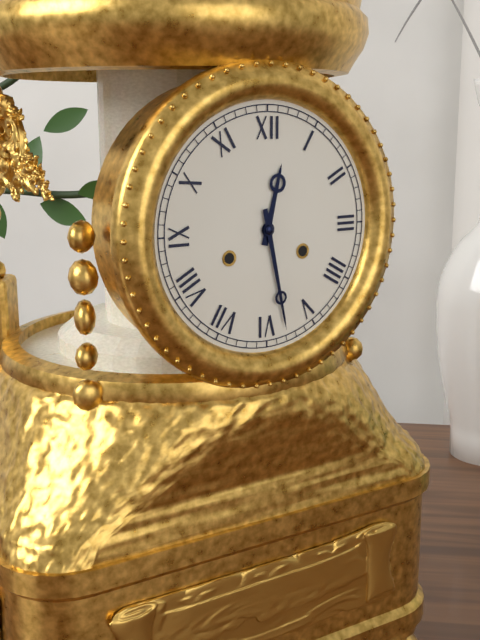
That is 12.28
